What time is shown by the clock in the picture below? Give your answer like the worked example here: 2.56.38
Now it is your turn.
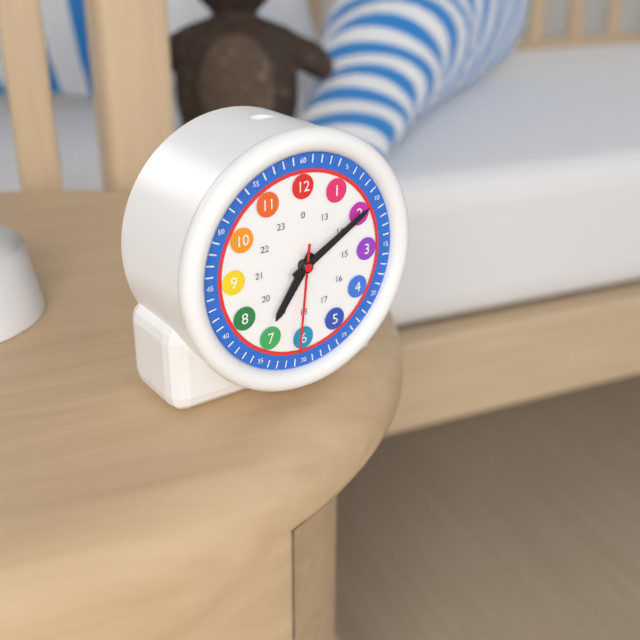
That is 7.10.31
